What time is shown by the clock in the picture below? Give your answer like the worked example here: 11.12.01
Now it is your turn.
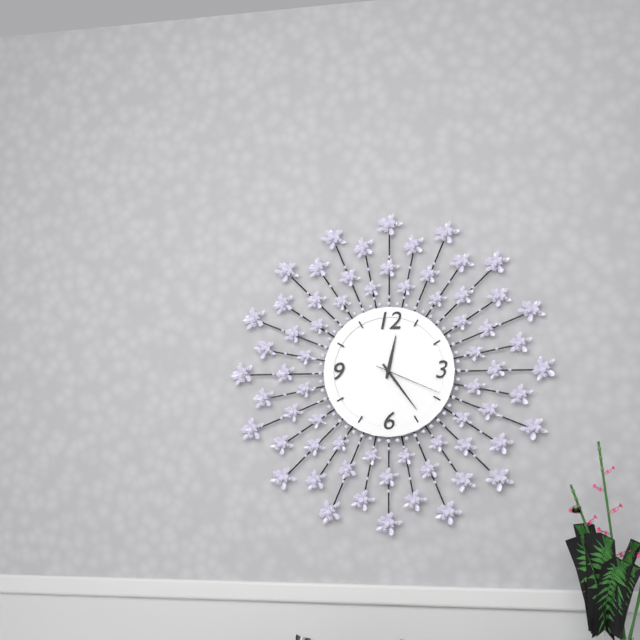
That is 12.24.19
